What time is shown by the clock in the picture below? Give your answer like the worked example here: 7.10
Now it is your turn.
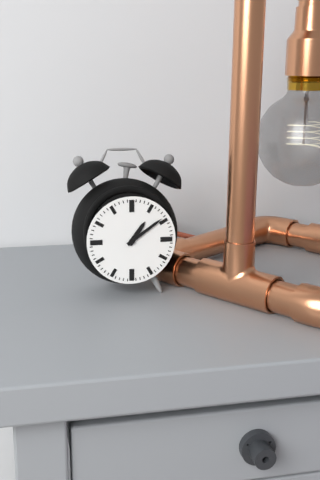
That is 1.09
